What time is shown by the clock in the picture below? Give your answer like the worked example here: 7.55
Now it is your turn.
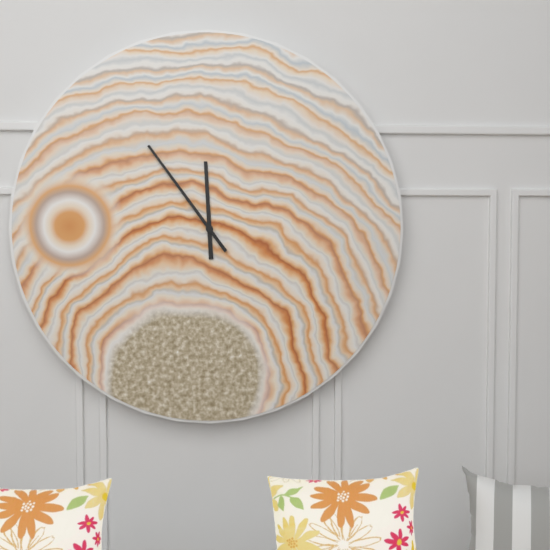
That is 11.54
